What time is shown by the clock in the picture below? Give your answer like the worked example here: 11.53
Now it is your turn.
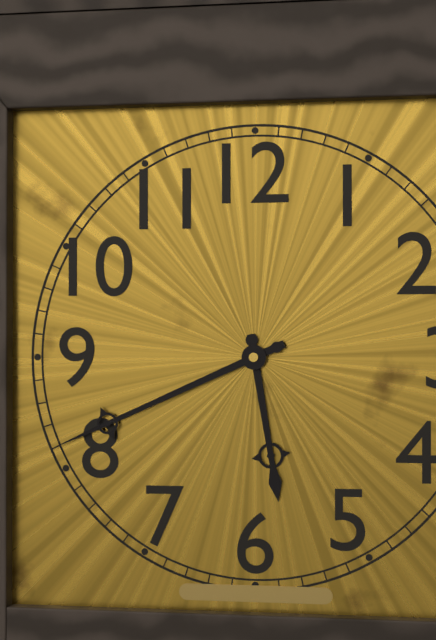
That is 5.41
